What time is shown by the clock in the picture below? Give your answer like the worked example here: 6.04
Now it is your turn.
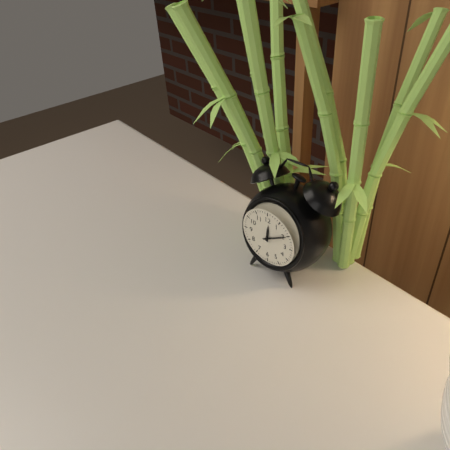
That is 12.10
